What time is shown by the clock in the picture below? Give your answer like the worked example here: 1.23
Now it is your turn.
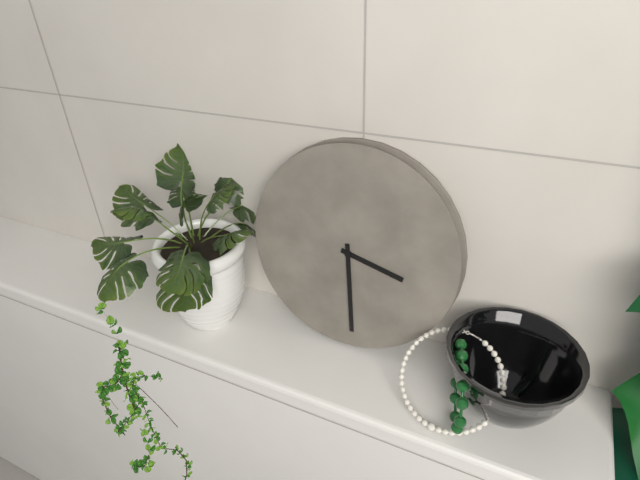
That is 3.29
